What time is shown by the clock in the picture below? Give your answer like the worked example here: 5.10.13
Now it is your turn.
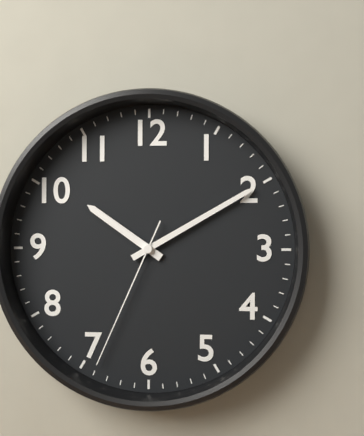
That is 10.10.34
